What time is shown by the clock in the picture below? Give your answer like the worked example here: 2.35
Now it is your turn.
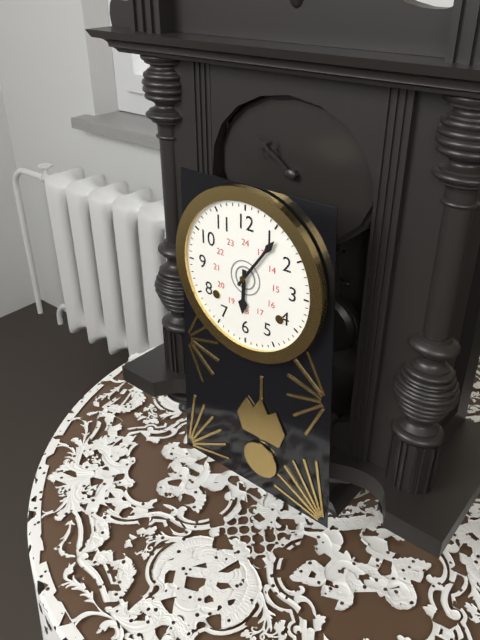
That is 6.06
